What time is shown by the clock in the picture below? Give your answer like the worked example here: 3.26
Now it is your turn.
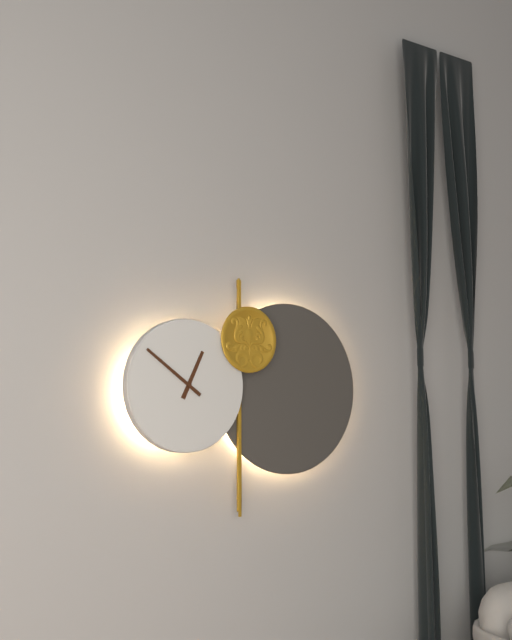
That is 12.51
